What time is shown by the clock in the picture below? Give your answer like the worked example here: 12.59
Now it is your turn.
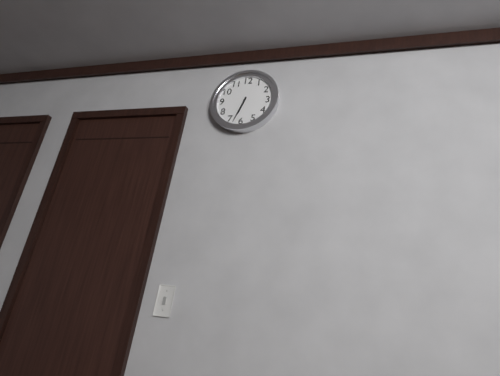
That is 6.33
